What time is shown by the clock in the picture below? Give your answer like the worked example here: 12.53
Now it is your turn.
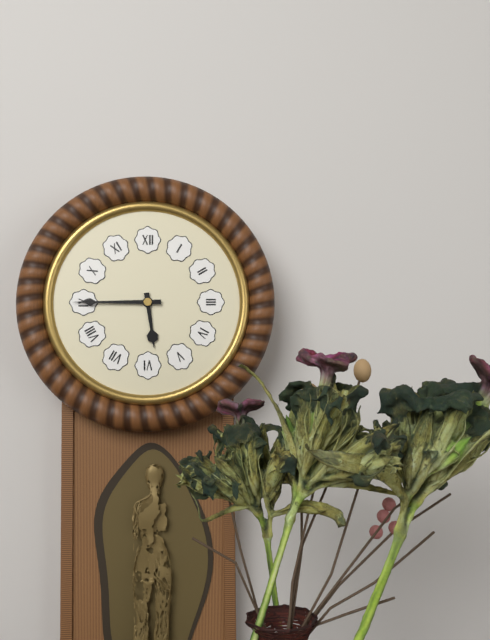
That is 5.45
